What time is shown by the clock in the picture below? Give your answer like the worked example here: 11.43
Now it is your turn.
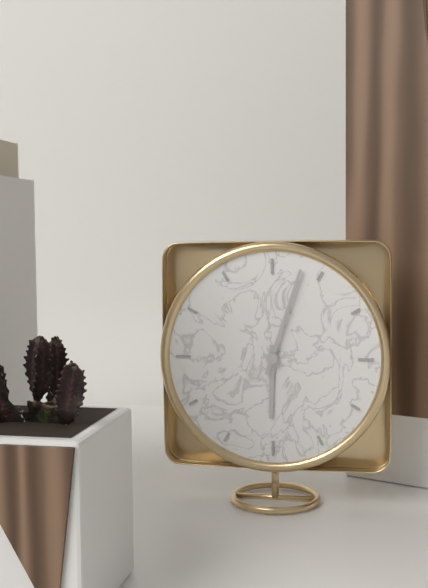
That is 6.03
